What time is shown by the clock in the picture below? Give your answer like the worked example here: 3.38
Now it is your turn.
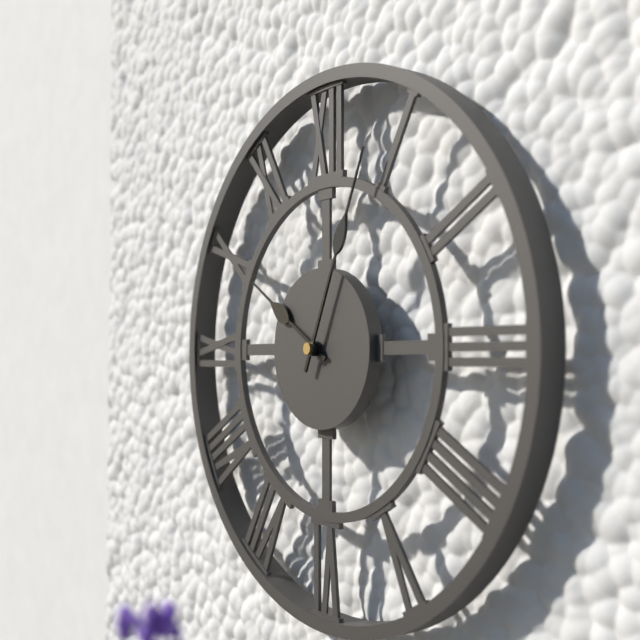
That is 10.04
